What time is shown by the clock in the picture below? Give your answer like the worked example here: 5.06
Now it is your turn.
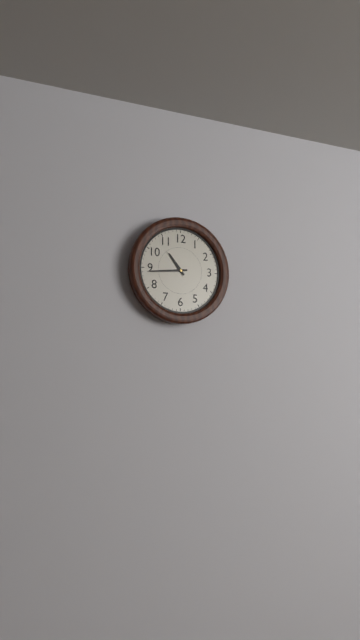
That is 10.44
